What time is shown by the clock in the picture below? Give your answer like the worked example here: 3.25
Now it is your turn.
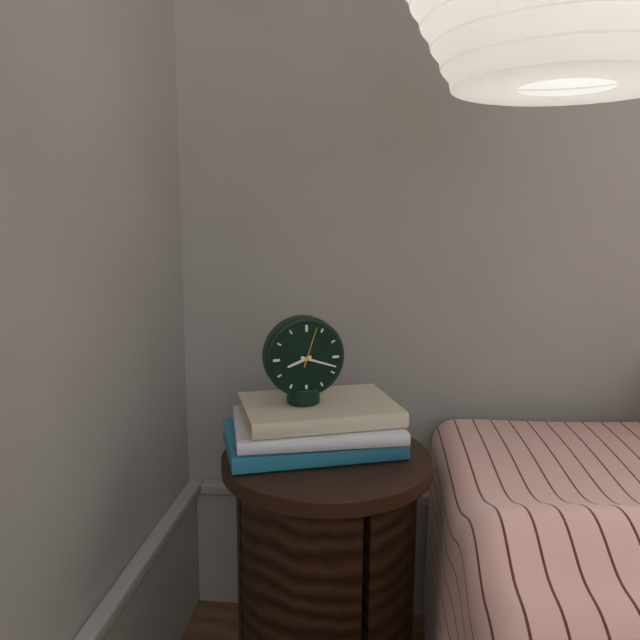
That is 8.18
